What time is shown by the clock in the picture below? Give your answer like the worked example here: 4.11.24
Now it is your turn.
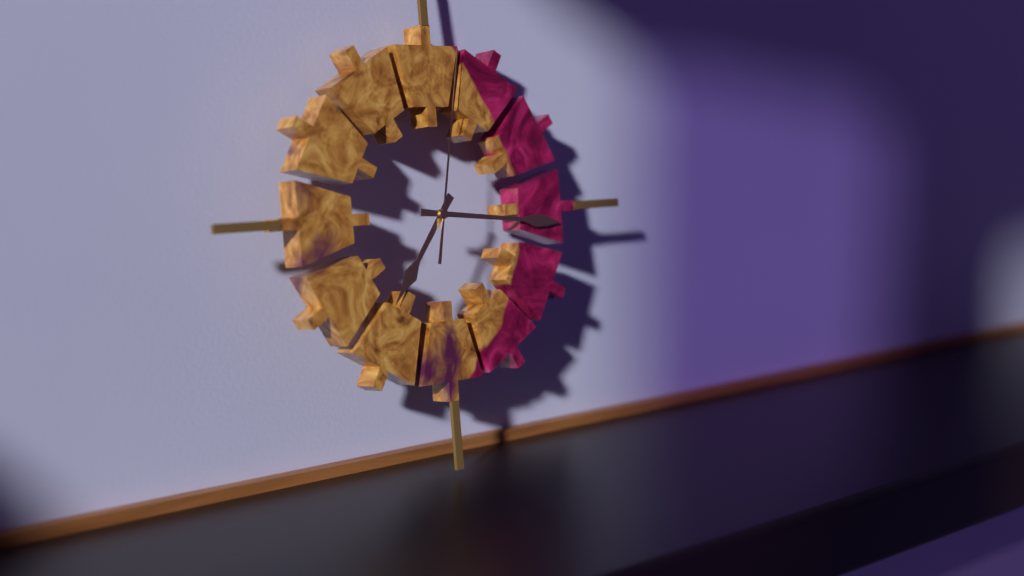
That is 7.16.02
